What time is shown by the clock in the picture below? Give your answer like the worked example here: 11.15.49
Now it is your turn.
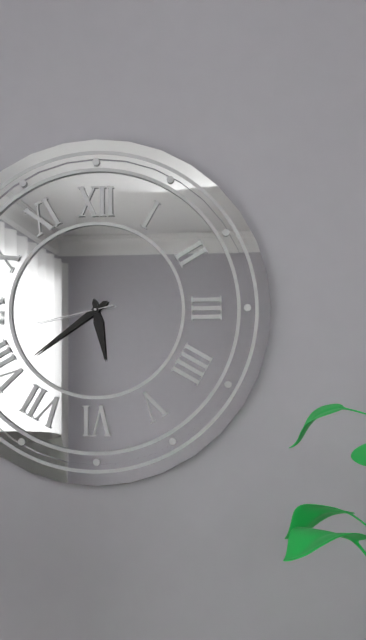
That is 5.39.43
